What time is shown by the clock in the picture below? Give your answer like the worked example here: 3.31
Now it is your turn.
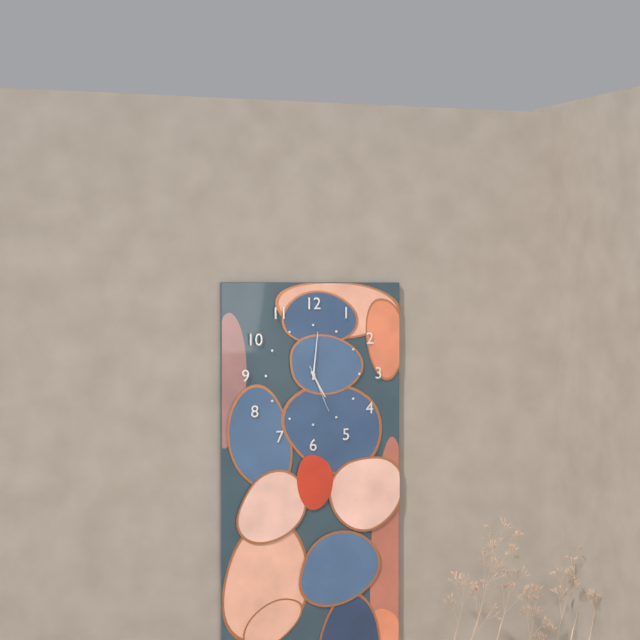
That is 5.01
